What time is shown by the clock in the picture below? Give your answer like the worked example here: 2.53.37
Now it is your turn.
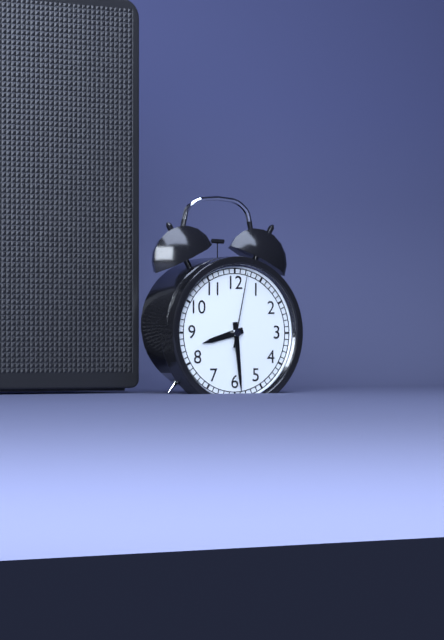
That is 8.29.02
